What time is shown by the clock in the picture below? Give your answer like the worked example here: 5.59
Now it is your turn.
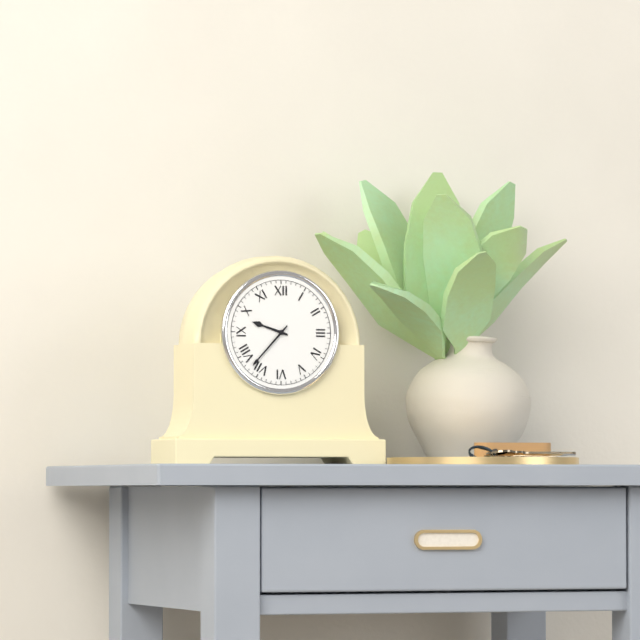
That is 9.37
